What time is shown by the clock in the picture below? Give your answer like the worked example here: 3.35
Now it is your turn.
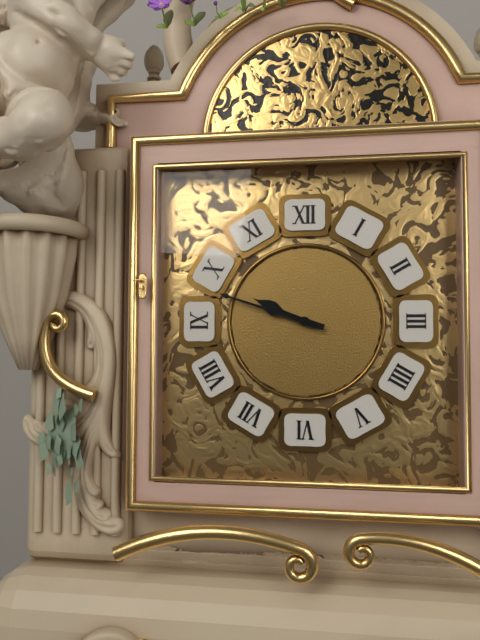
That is 9.48
